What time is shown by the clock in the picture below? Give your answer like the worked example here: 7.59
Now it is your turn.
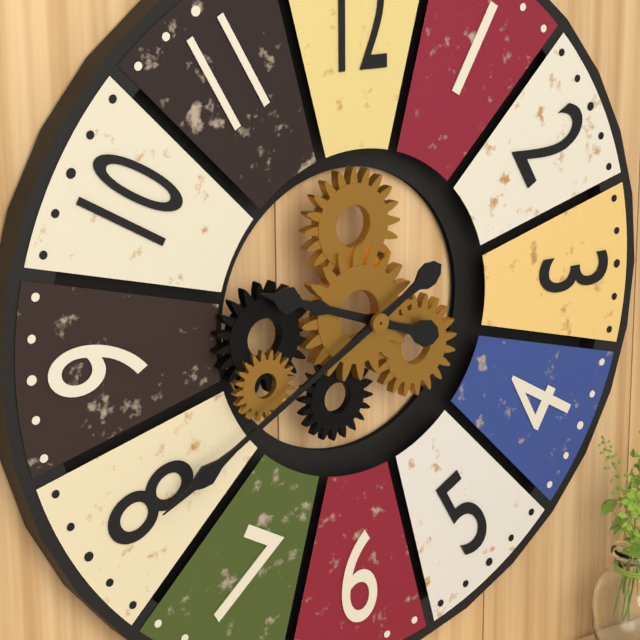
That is 9.40
